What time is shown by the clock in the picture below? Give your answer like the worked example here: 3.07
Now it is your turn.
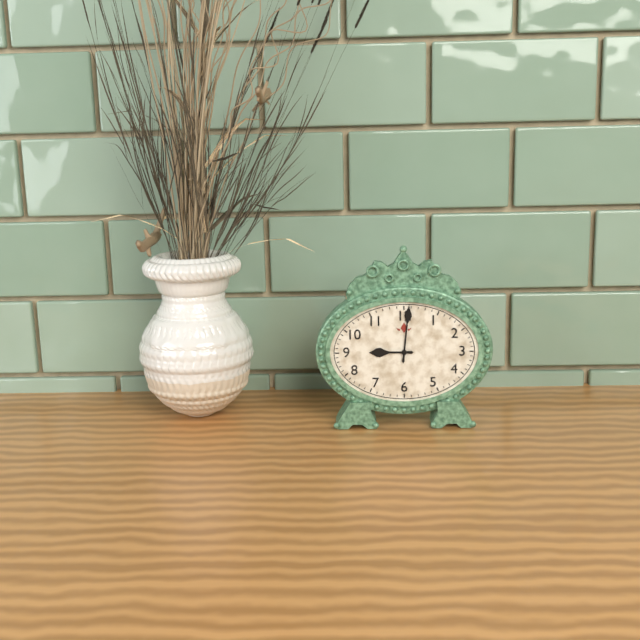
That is 9.01
